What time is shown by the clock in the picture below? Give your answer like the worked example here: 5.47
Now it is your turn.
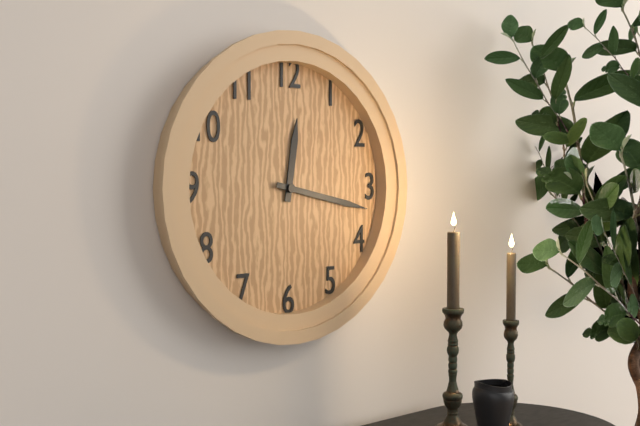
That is 12.17
